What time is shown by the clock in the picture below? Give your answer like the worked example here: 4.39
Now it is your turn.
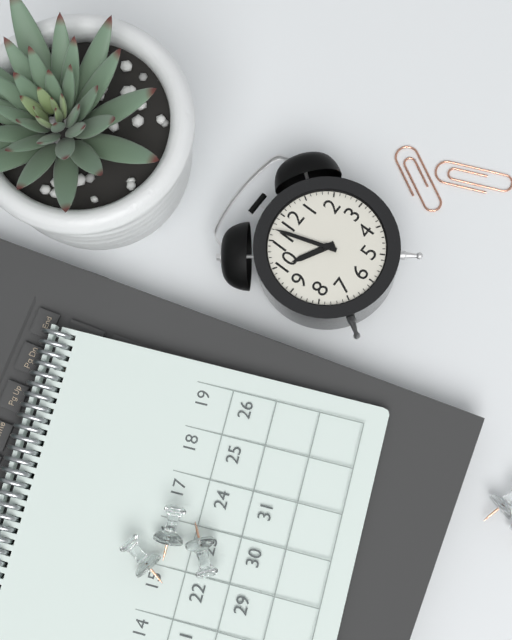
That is 9.57
